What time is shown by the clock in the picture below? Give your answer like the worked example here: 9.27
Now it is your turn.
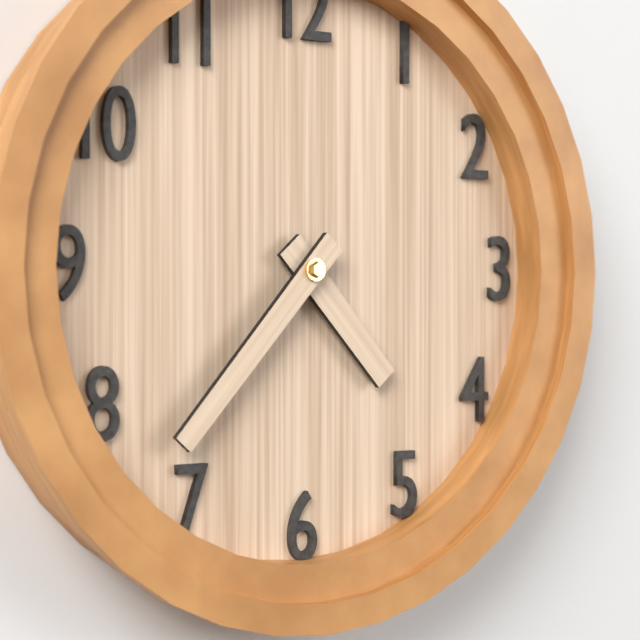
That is 4.37
